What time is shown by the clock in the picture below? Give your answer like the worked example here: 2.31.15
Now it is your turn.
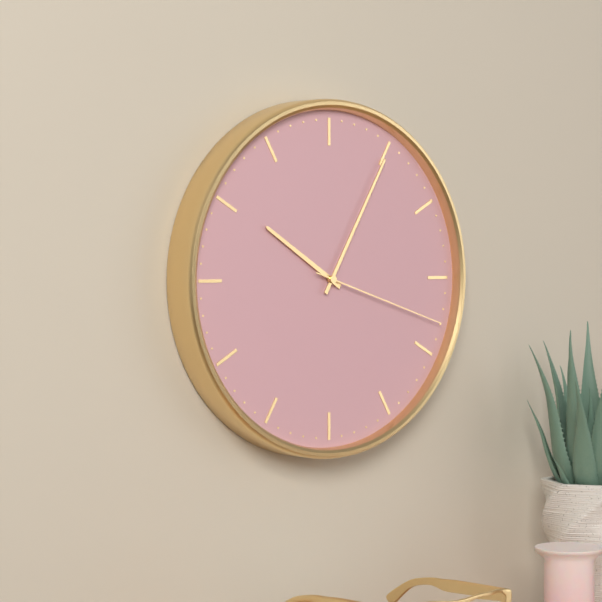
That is 10.05.18
